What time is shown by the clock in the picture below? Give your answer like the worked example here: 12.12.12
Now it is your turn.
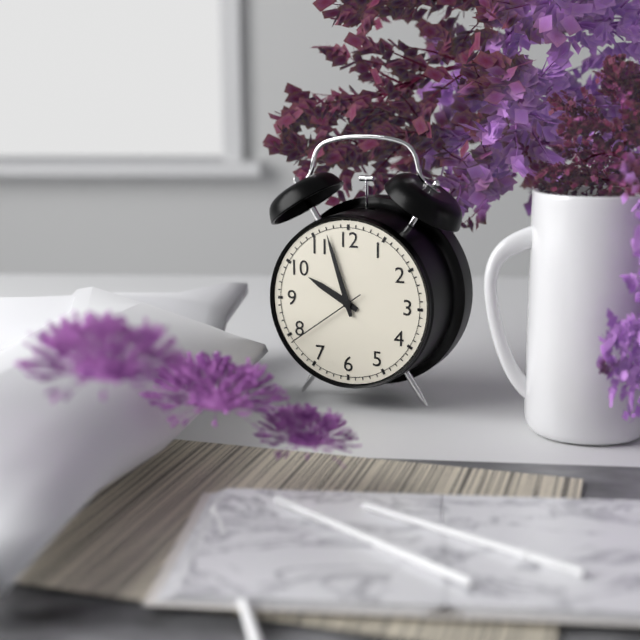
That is 9.57.39
